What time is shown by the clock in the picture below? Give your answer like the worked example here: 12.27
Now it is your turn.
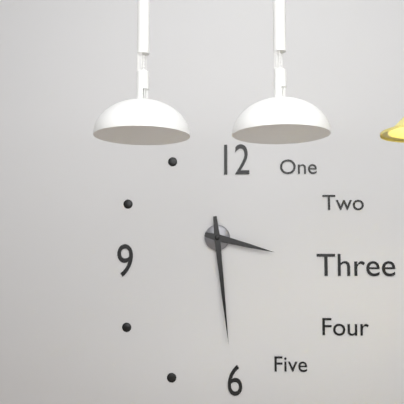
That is 3.29
